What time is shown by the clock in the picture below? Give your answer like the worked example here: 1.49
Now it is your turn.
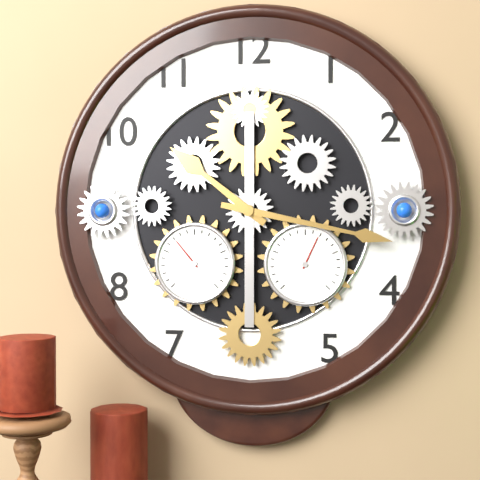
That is 10.17
